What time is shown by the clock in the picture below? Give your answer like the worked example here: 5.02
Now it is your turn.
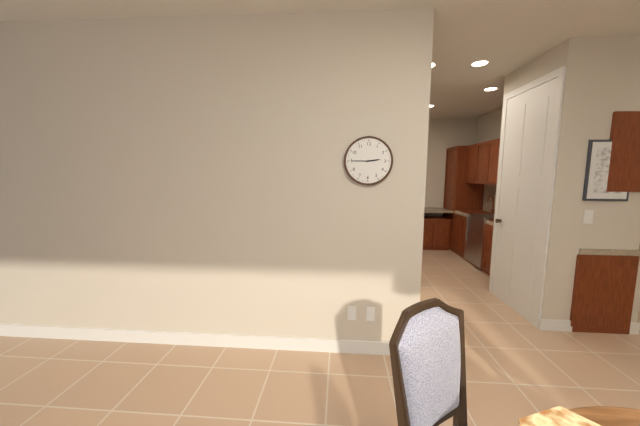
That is 2.45
